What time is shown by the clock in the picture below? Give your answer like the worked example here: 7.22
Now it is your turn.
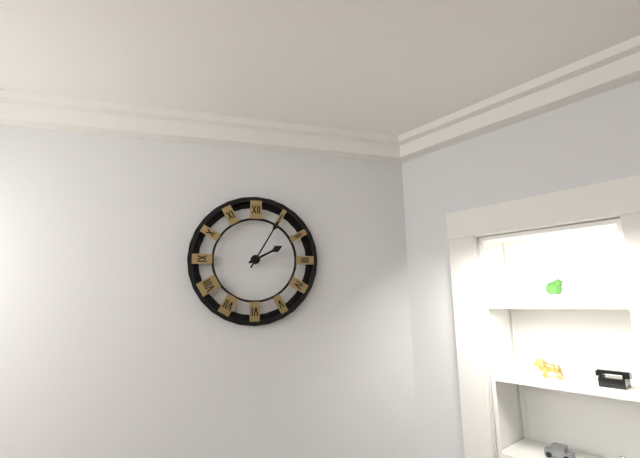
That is 2.05
